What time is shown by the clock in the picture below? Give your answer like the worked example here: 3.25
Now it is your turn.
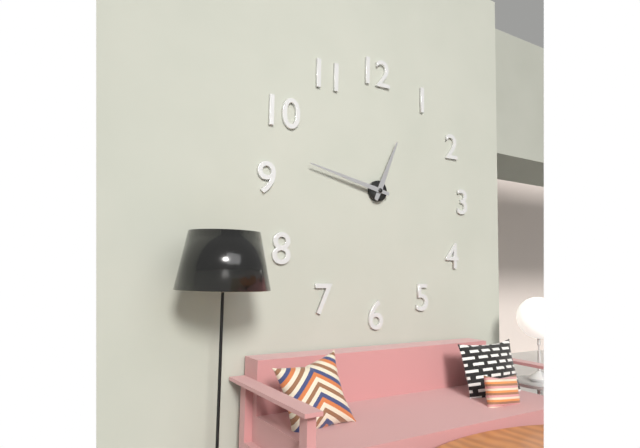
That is 12.47
